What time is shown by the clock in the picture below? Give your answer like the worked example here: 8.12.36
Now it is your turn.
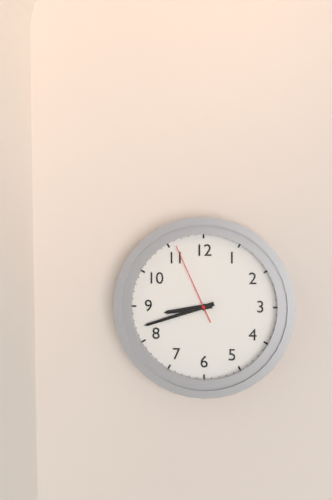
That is 8.42.56
